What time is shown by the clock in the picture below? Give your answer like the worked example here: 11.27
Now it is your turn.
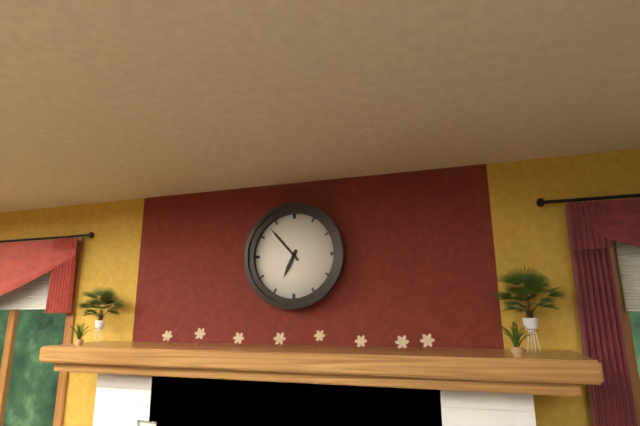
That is 6.53
